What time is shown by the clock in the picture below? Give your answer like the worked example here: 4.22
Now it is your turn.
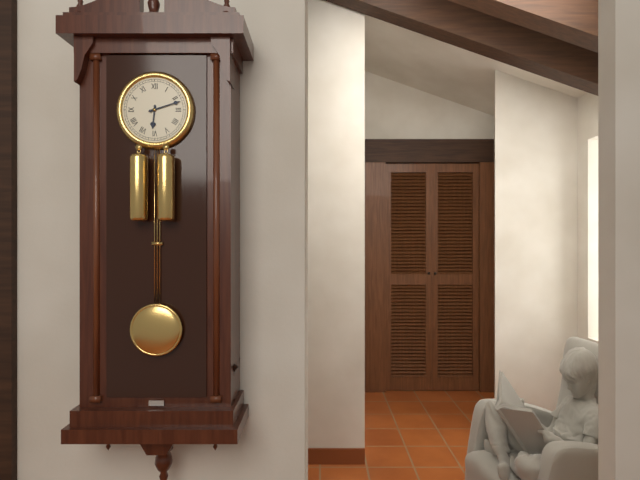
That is 6.12
